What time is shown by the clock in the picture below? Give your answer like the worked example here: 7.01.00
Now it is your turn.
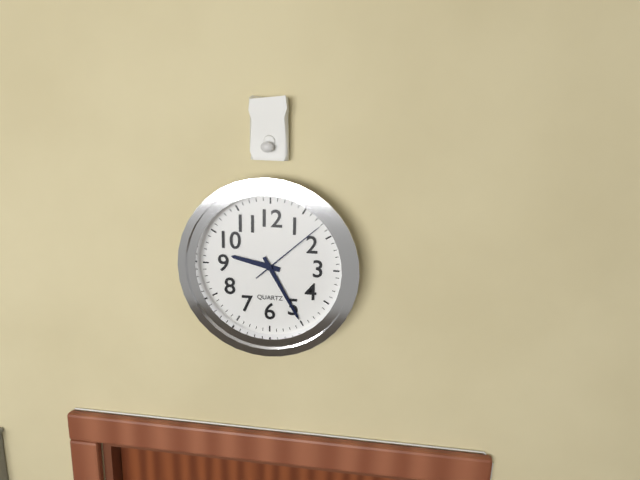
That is 9.25.08
